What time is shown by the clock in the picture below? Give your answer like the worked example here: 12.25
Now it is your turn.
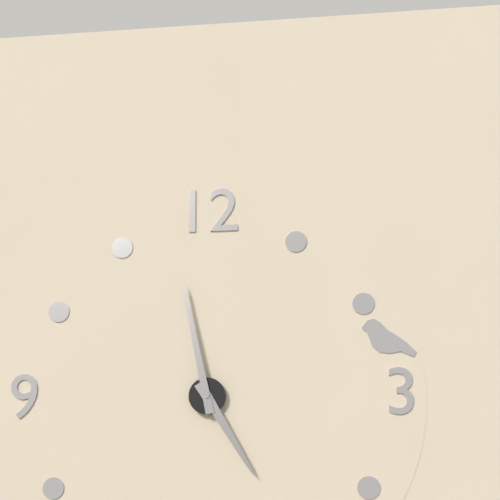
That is 4.58
